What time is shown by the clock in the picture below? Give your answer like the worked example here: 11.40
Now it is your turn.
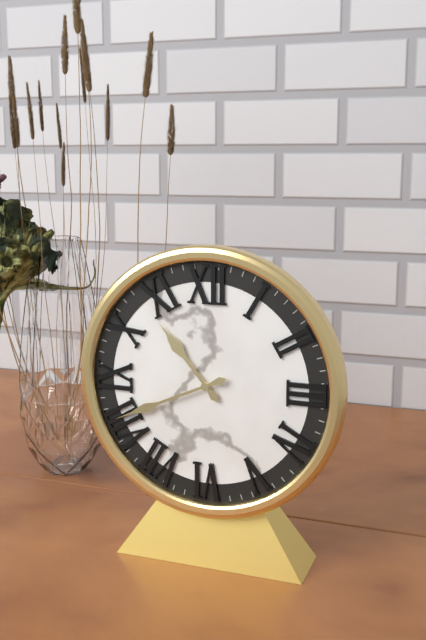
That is 10.41
